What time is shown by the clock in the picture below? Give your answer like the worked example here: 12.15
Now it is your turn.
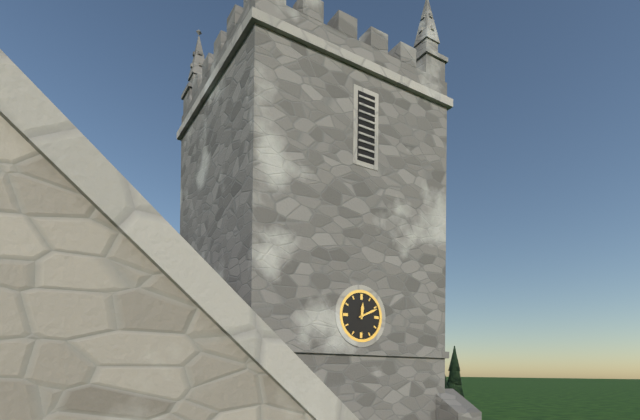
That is 12.11
